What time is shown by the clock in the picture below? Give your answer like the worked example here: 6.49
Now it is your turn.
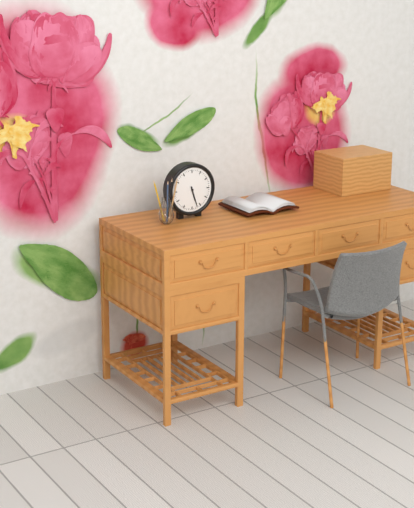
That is 5.27
